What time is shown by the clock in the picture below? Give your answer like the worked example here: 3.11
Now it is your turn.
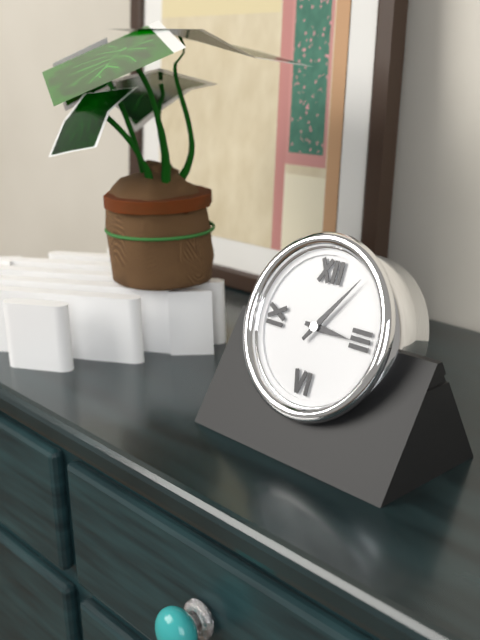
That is 3.06
